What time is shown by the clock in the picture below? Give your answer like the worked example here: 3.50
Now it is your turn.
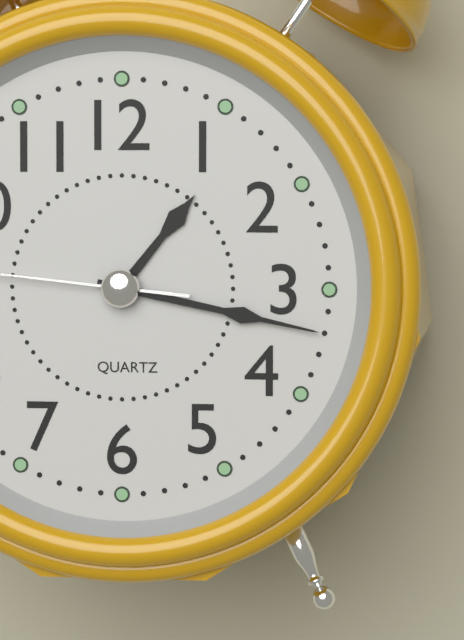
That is 1.17
